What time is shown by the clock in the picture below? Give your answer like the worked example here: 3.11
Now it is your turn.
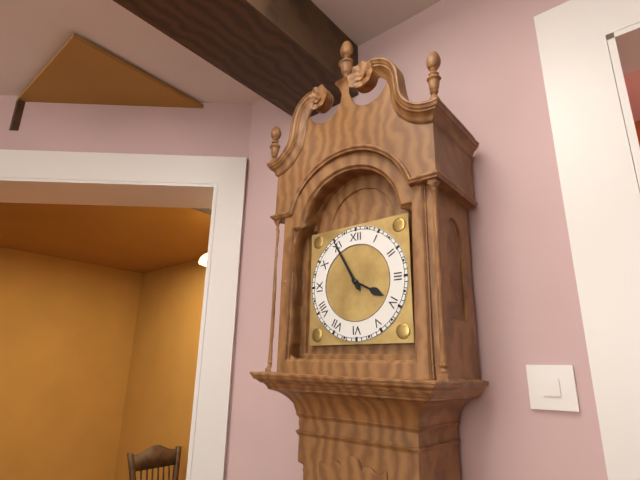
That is 3.55
